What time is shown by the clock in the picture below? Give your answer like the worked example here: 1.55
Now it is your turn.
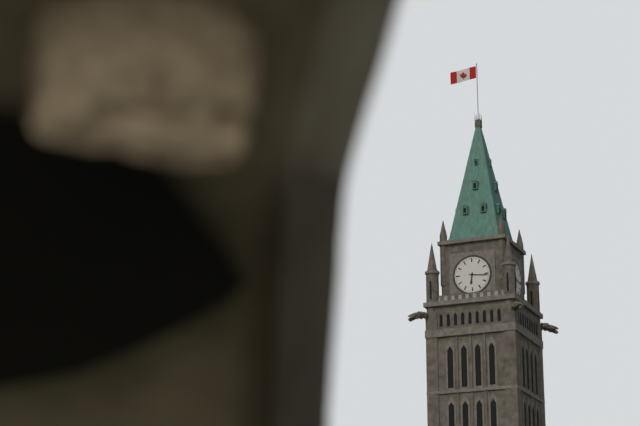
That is 6.16
